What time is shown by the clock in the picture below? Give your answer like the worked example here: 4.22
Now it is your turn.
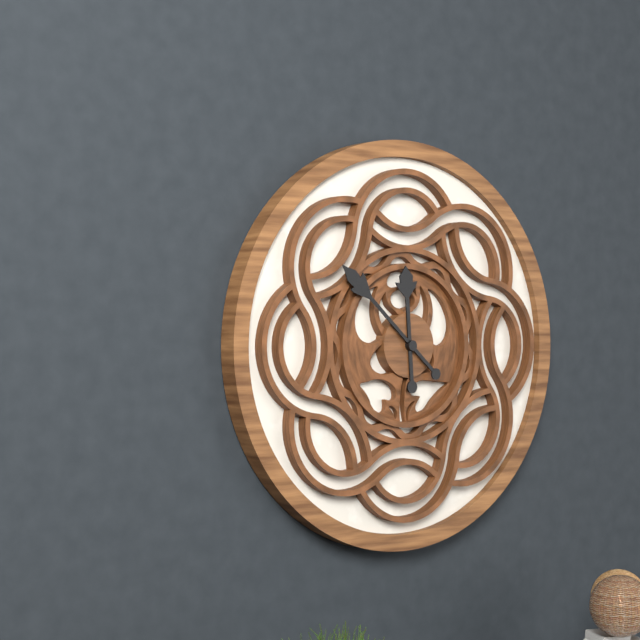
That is 11.52
